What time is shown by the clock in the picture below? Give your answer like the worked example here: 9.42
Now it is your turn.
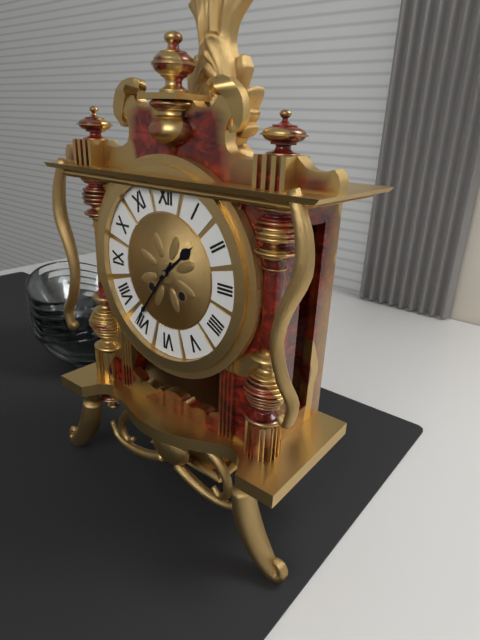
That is 1.36
